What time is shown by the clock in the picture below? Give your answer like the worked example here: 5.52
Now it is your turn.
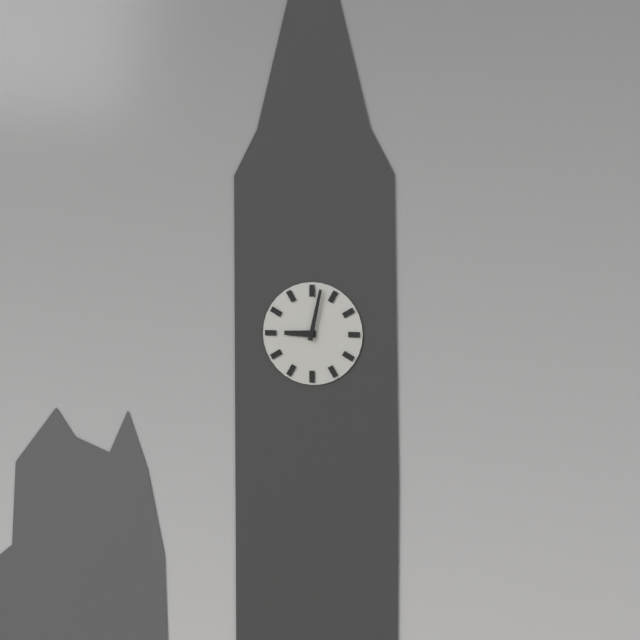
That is 9.02
